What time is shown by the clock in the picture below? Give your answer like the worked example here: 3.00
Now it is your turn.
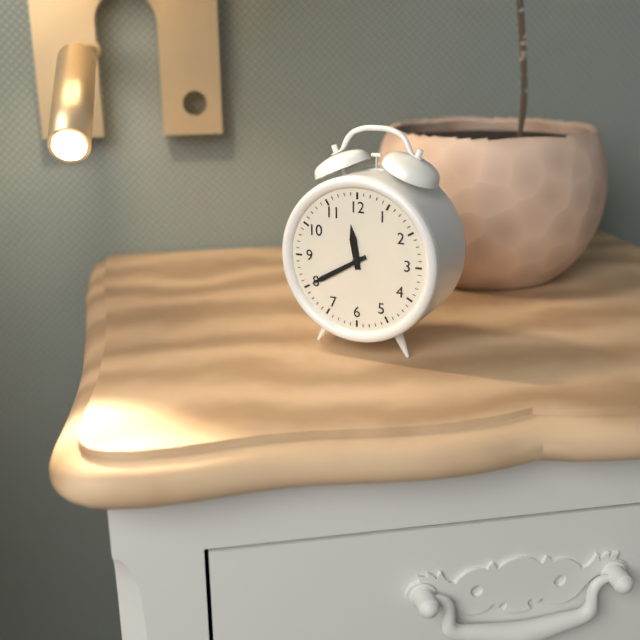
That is 11.40
